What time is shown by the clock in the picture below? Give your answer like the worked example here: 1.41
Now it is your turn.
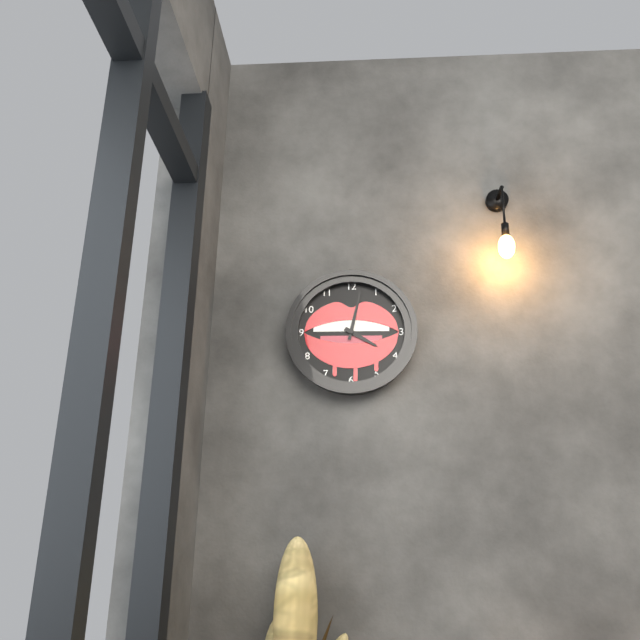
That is 4.02
